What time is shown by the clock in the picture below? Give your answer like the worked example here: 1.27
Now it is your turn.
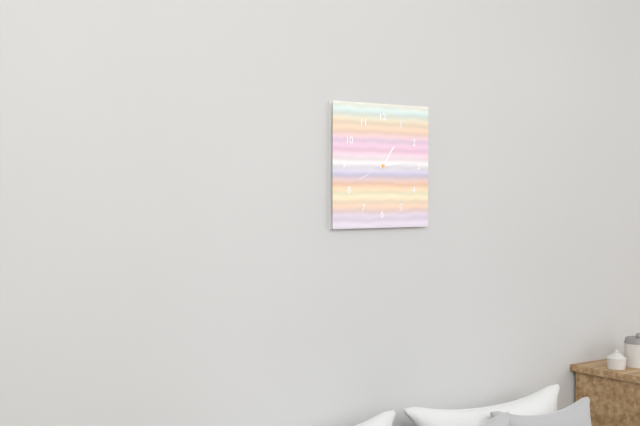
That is 1.14
